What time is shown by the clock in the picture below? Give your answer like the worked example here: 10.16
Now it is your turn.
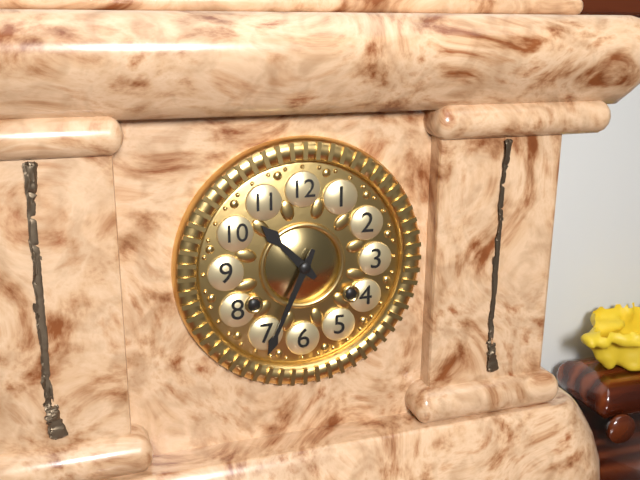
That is 10.34
